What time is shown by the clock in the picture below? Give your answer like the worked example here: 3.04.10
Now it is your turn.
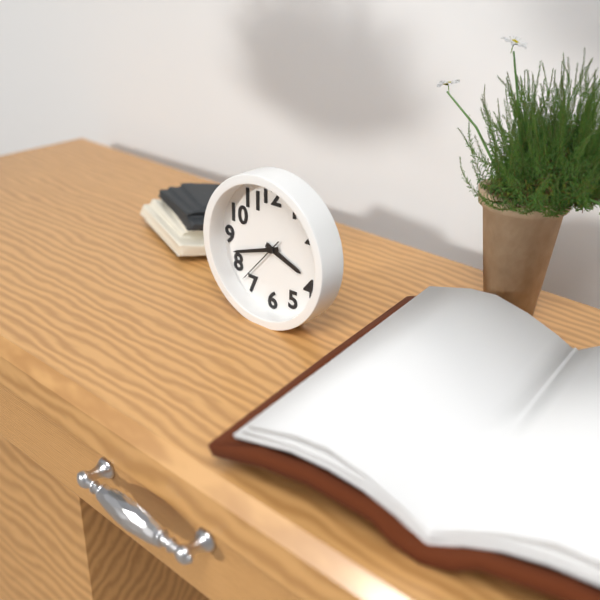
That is 3.42.37
